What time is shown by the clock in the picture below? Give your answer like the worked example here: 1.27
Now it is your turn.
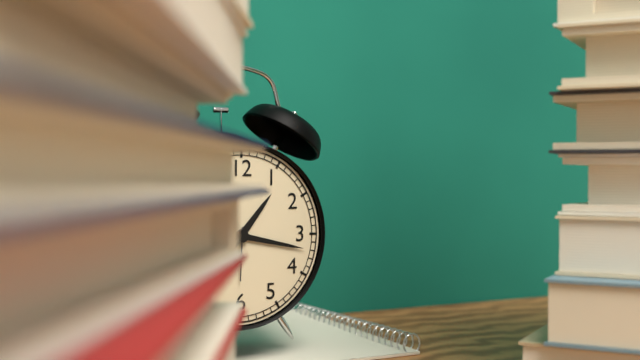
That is 1.17
